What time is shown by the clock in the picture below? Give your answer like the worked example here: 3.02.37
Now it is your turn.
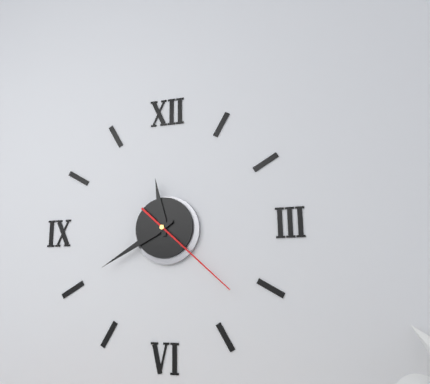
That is 11.40.22
